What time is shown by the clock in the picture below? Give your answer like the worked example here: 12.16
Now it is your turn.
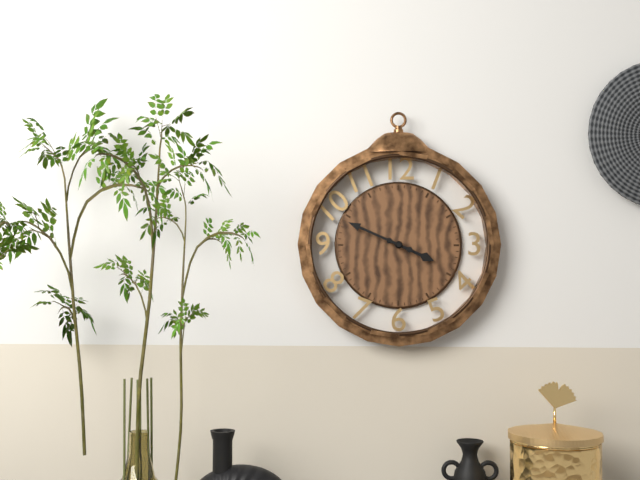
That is 3.49
